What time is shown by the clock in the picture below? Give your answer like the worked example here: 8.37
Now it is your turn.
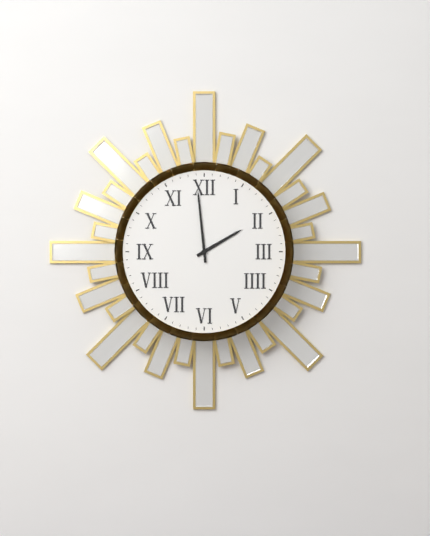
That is 1.59
